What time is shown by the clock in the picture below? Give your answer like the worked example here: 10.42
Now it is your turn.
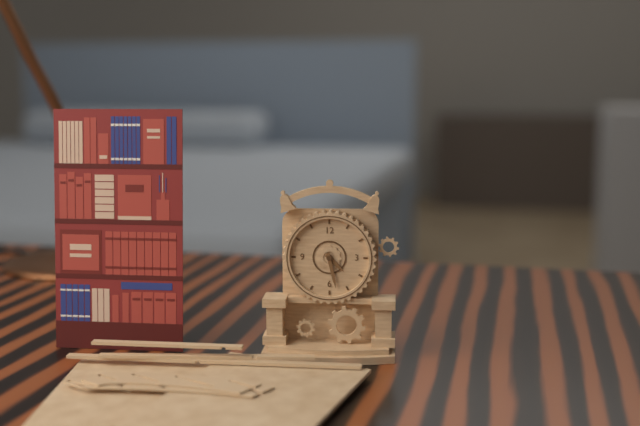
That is 4.28
